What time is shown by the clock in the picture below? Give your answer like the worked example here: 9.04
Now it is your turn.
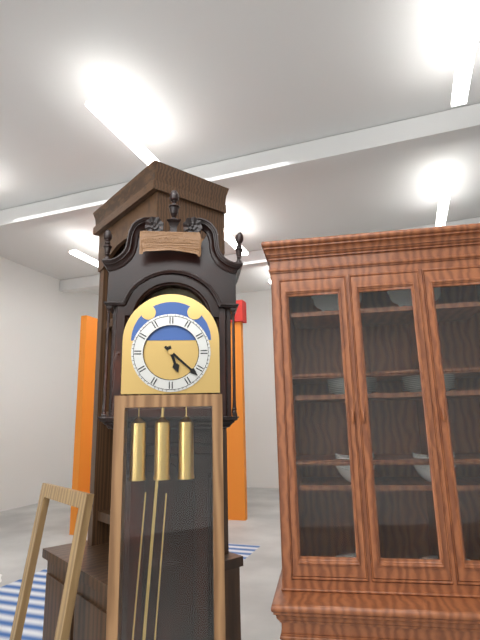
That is 5.22
